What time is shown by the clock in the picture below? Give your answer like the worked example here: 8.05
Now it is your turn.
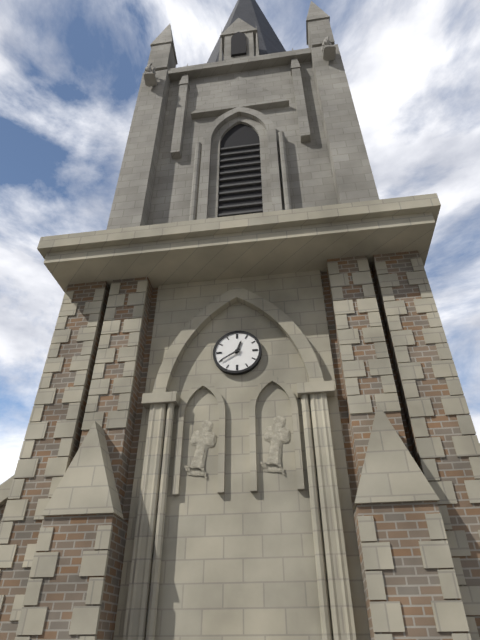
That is 12.40
